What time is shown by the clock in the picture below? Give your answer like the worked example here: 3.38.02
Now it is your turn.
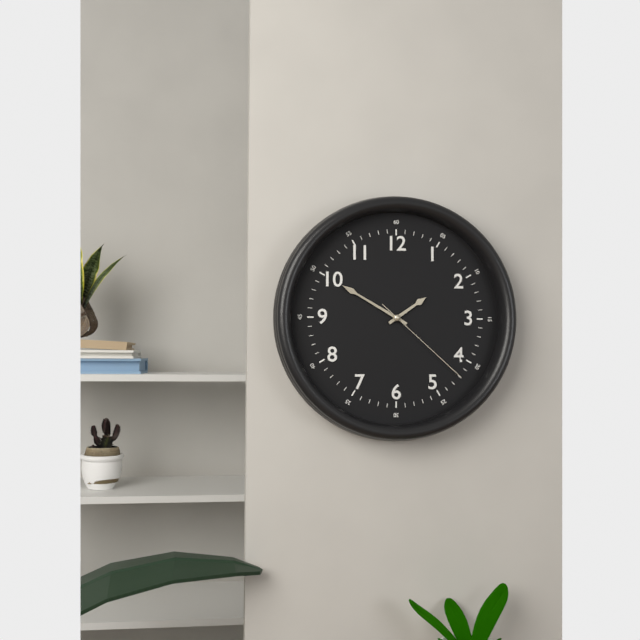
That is 1.50.22
